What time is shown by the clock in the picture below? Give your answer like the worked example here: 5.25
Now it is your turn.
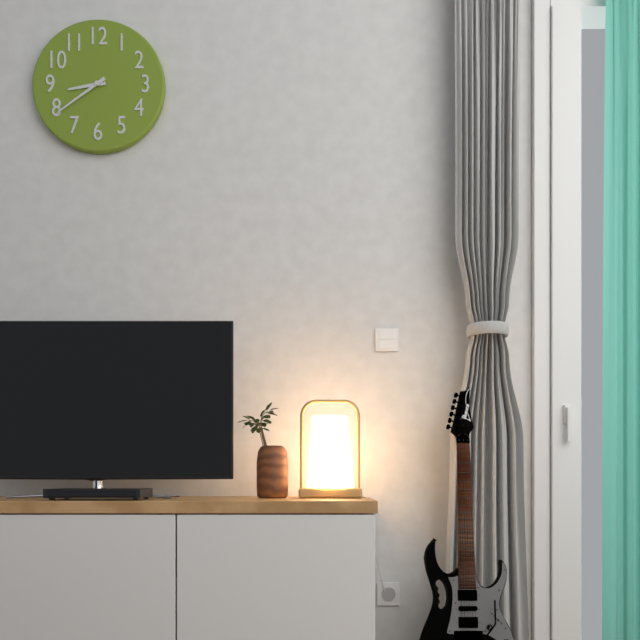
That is 8.39
